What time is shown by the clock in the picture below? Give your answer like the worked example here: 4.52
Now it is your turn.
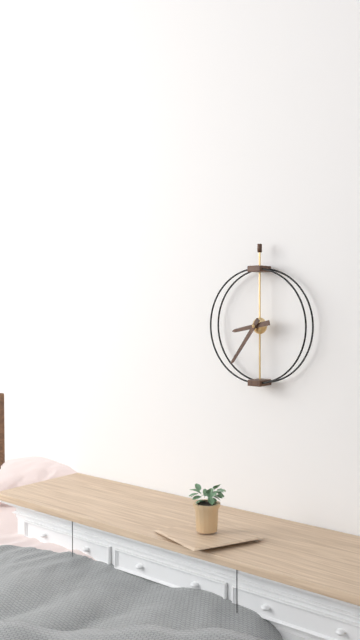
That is 8.36
